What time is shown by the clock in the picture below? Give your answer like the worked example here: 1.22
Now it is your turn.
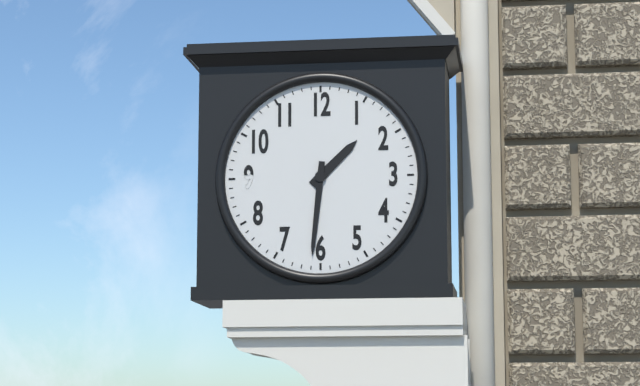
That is 1.31
